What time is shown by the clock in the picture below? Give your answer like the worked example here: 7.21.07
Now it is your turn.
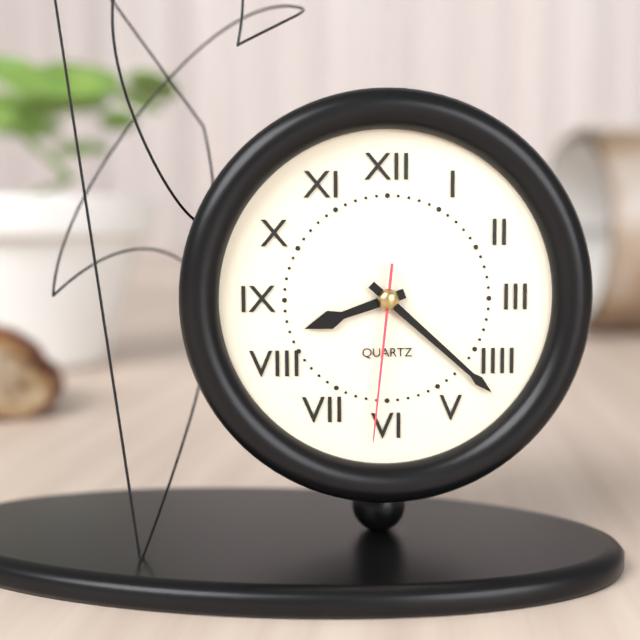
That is 8.22.31
